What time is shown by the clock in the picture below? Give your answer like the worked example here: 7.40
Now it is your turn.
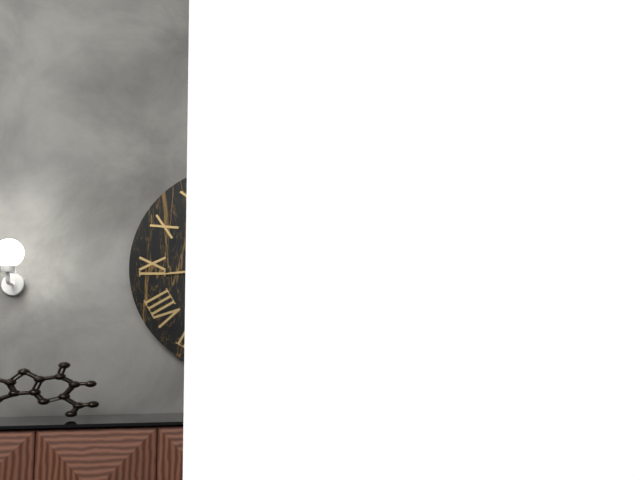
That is 10.44
